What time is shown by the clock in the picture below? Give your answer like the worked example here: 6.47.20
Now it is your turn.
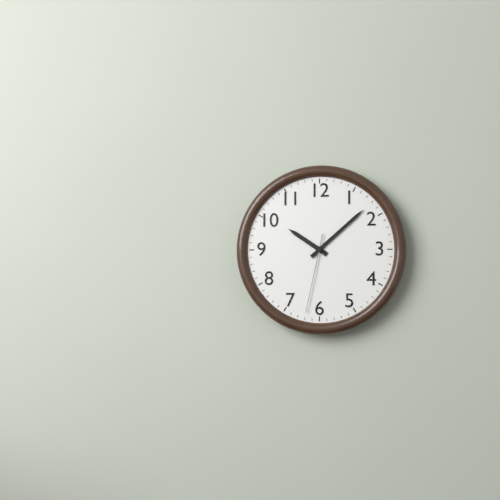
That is 10.08.32
